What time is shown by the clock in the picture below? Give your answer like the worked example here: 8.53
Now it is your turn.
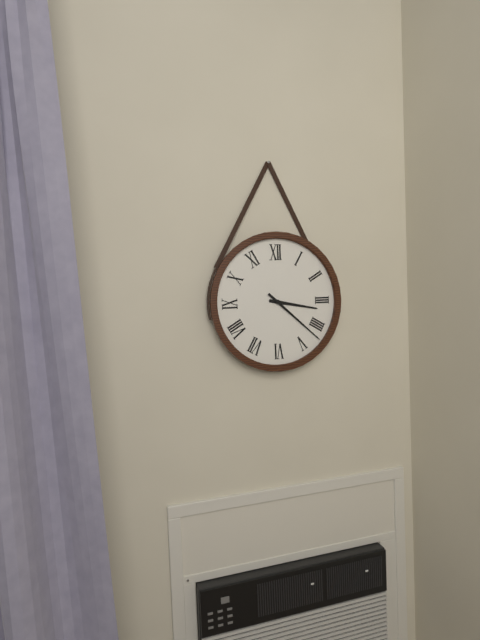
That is 3.22
